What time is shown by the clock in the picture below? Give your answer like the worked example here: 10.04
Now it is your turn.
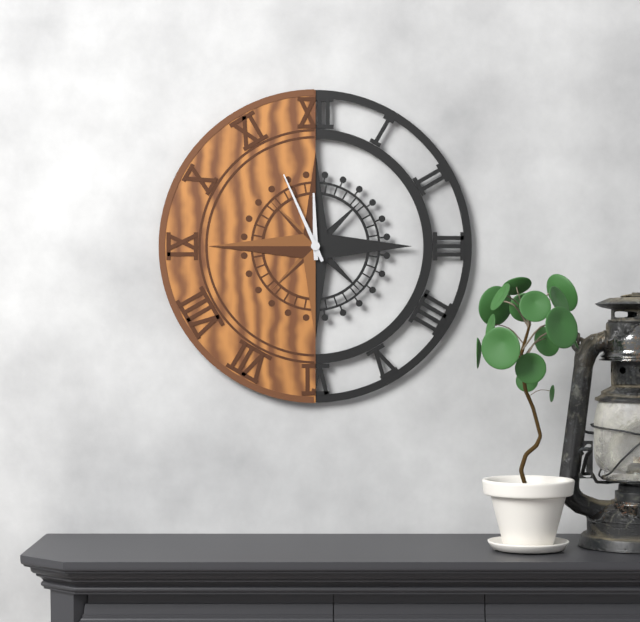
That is 11.56
